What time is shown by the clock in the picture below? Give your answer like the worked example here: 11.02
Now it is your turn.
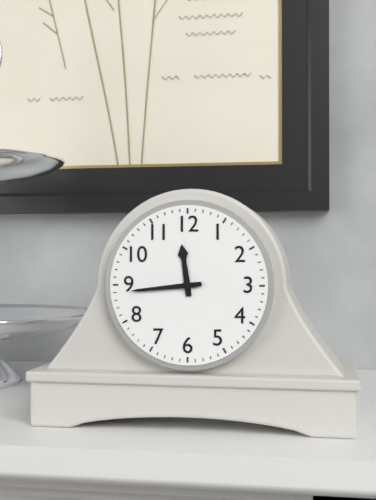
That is 11.44
